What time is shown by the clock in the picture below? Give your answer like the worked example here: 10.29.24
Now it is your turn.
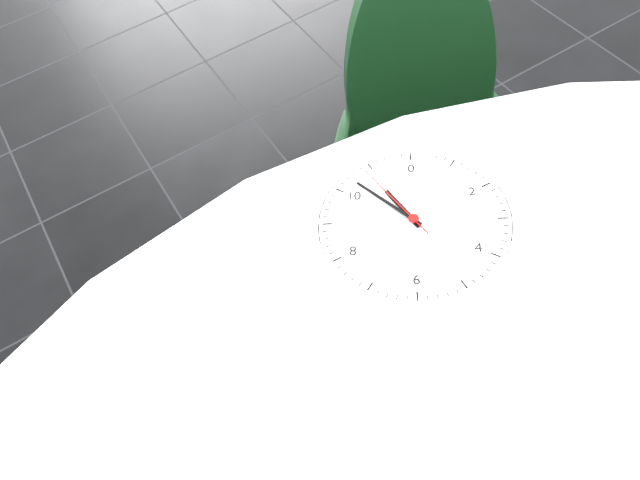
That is 10.52.54
